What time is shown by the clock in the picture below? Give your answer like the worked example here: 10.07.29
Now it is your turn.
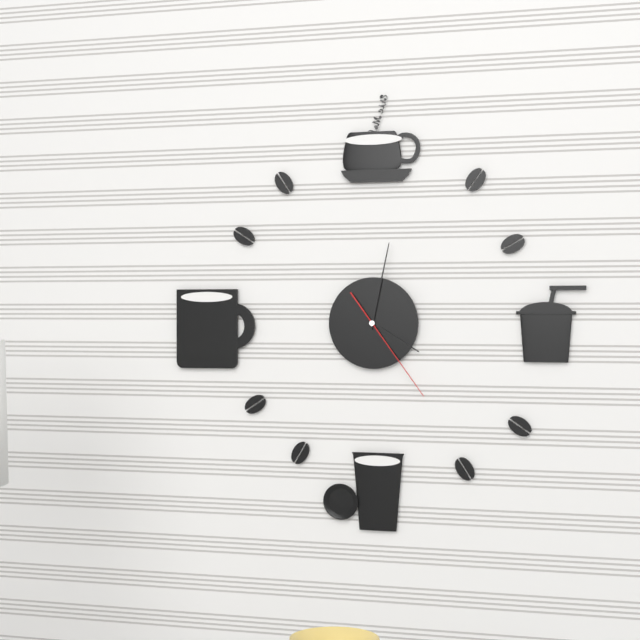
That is 4.02.24
